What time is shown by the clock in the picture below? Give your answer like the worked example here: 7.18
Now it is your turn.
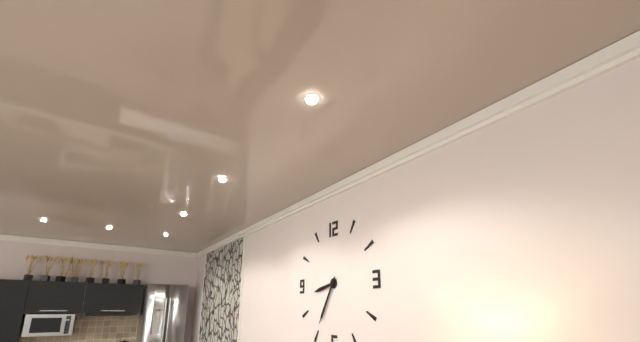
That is 8.35
